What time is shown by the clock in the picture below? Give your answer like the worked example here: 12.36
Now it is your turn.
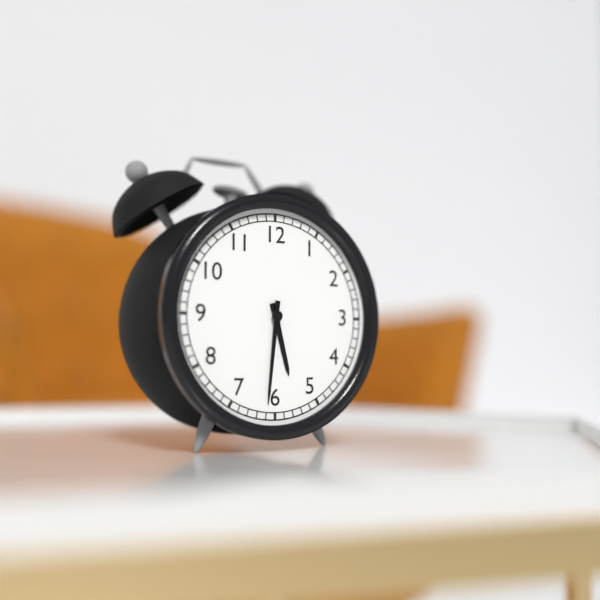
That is 5.31
